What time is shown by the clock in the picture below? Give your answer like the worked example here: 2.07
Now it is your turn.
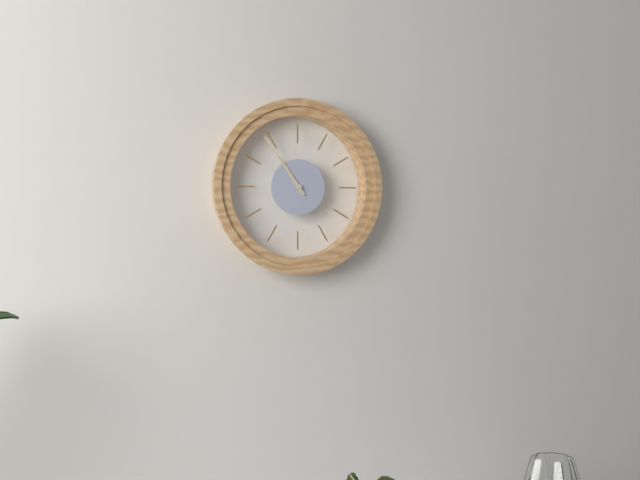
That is 10.54
